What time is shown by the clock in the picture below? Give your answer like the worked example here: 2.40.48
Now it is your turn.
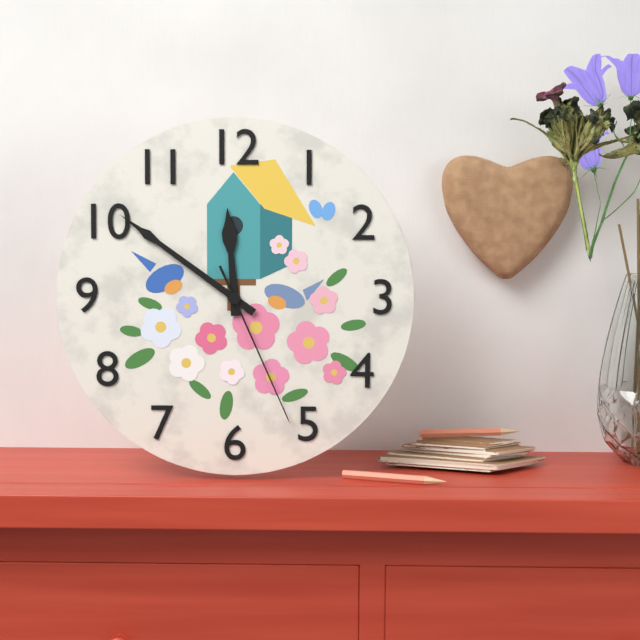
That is 11.51.26
